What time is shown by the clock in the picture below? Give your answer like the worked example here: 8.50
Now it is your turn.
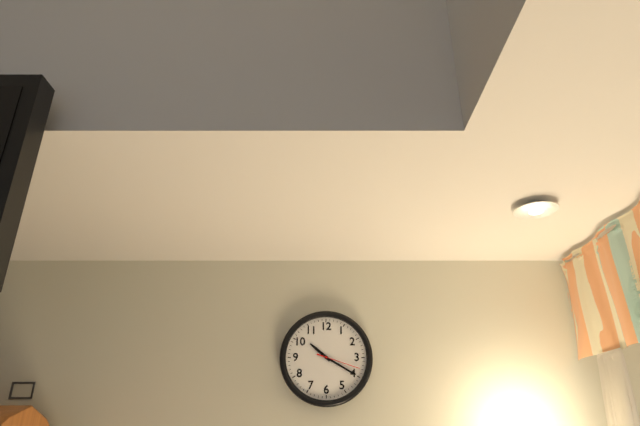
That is 10.20
